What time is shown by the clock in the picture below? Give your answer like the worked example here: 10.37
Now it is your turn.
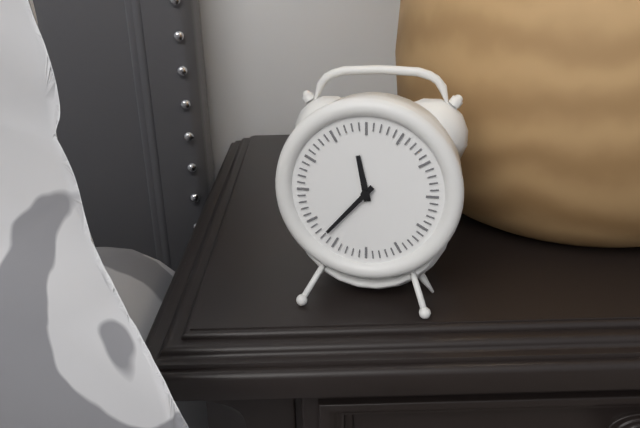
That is 11.37
